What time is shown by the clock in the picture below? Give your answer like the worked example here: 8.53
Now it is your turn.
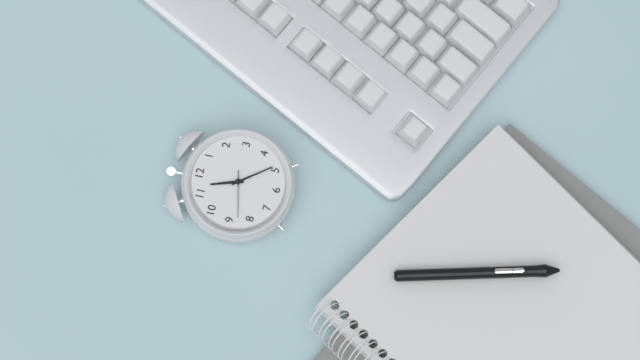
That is 11.24
